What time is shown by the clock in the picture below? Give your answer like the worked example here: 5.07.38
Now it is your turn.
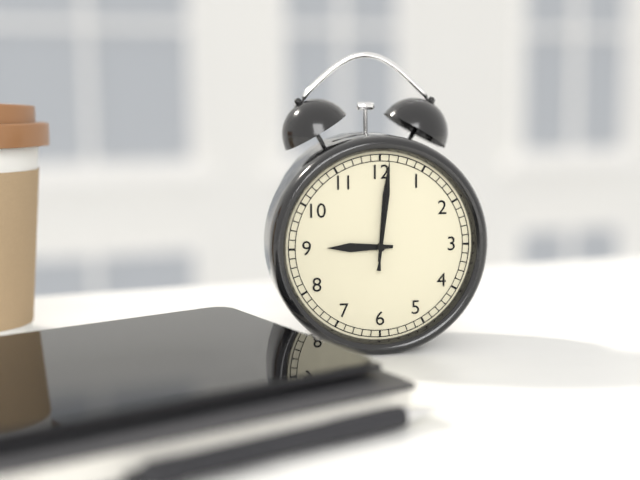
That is 9.01.01
